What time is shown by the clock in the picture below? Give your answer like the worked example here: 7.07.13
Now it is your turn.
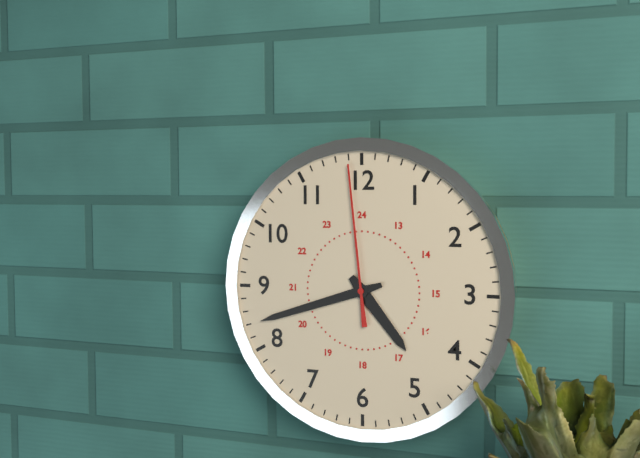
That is 4.42.59
